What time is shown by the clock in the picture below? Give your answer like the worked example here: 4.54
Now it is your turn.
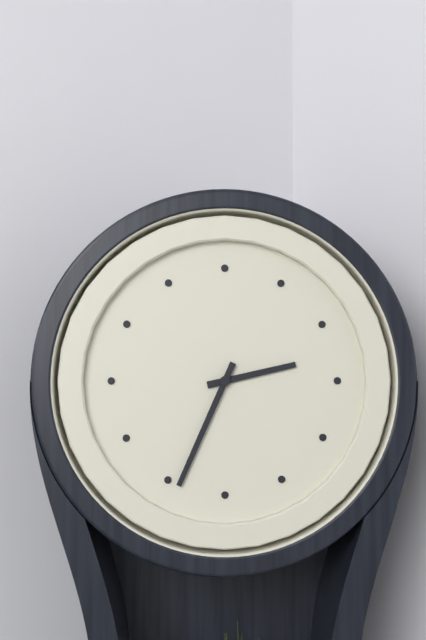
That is 2.34
